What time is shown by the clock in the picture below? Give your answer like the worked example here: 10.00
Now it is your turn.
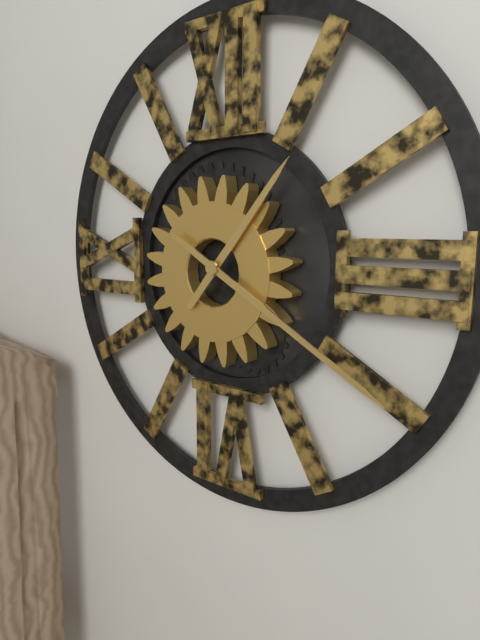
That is 1.20
